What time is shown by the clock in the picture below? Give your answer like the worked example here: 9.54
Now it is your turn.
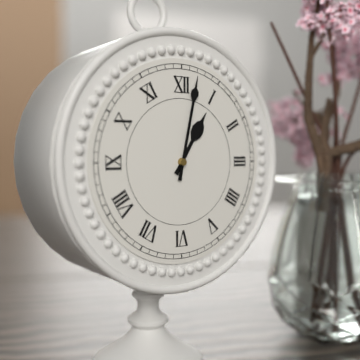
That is 1.02
